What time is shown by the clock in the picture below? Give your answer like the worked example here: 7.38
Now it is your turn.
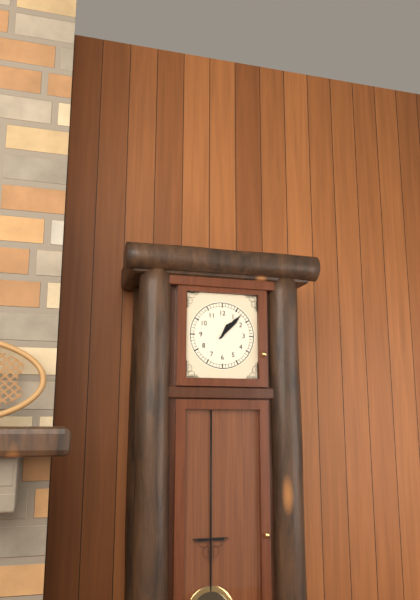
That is 1.07
